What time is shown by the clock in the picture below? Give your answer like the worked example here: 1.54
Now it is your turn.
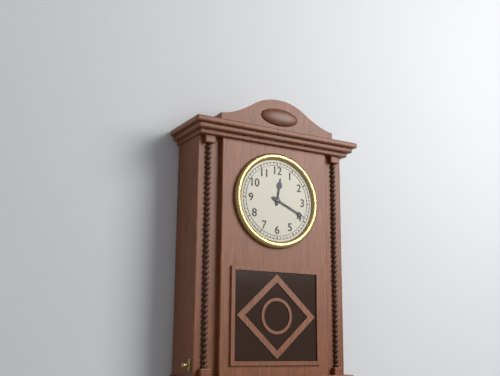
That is 12.19
